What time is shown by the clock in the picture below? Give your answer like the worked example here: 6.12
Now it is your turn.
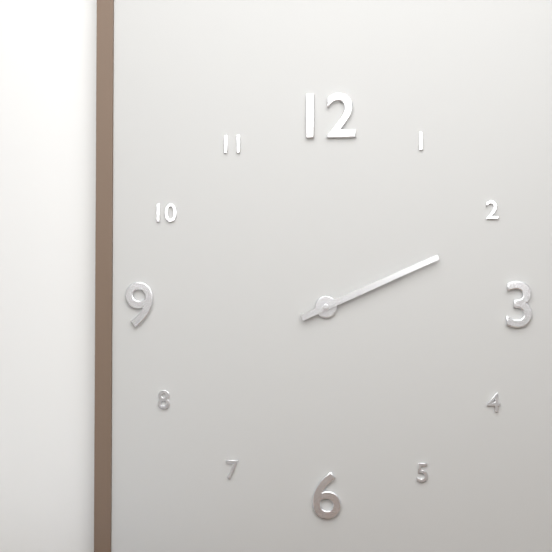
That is 2.11
